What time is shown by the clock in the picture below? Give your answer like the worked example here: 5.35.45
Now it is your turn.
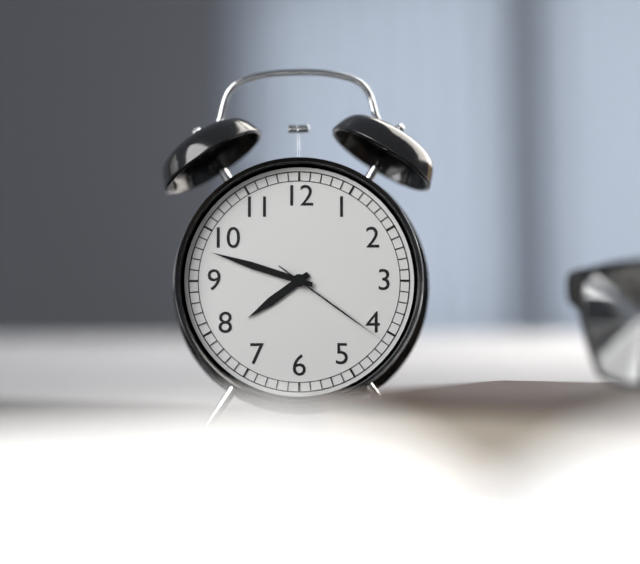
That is 7.48.21
